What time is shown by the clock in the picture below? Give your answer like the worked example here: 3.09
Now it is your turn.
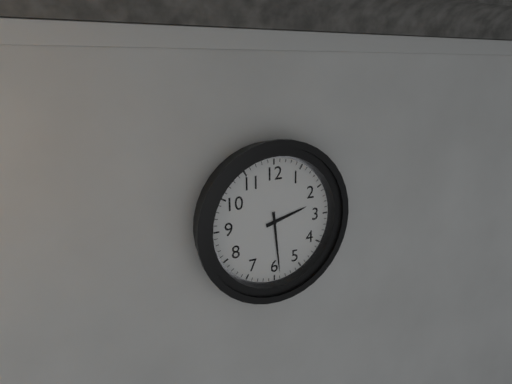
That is 2.29
